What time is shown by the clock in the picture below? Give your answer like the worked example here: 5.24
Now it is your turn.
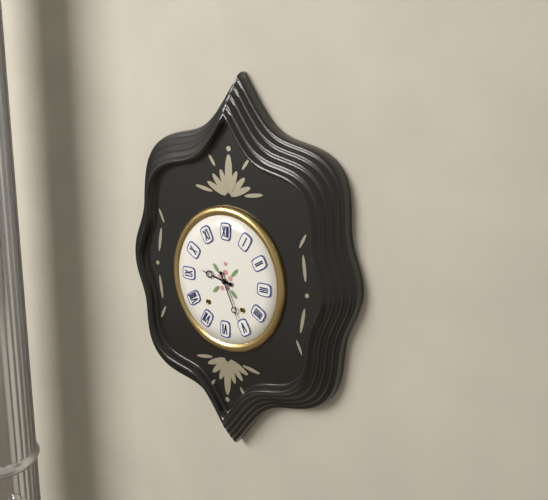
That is 9.26
